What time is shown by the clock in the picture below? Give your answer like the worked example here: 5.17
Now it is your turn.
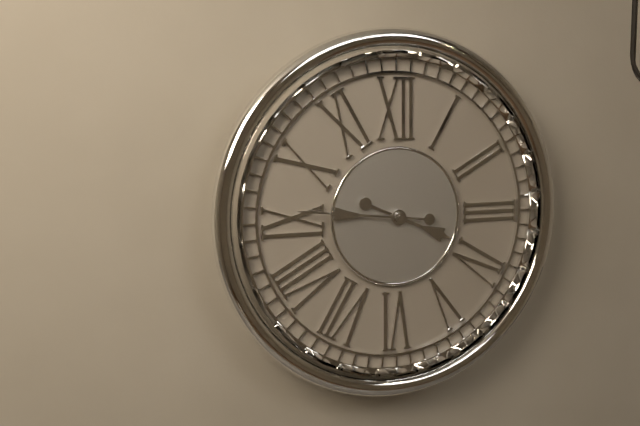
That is 3.46
